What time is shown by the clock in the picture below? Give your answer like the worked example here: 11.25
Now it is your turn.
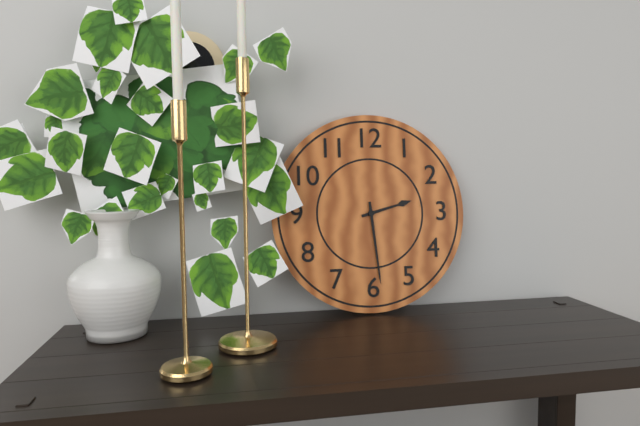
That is 2.29
